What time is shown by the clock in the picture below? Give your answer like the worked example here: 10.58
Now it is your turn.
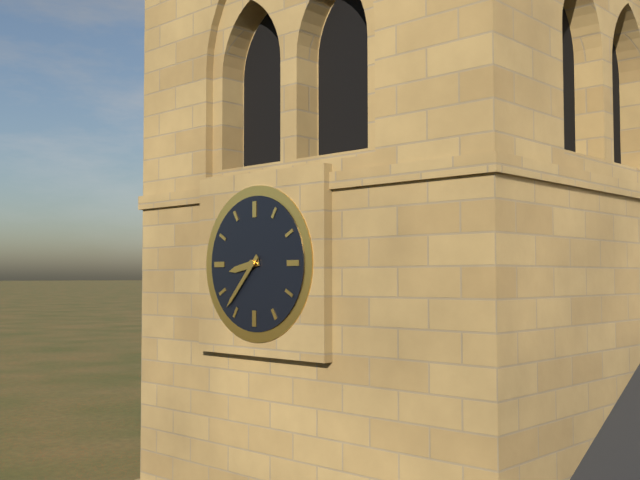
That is 8.37
